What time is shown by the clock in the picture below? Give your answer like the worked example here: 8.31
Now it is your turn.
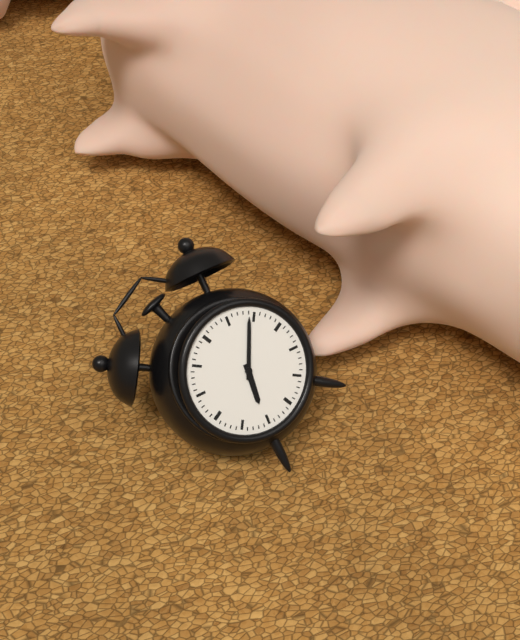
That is 7.09
